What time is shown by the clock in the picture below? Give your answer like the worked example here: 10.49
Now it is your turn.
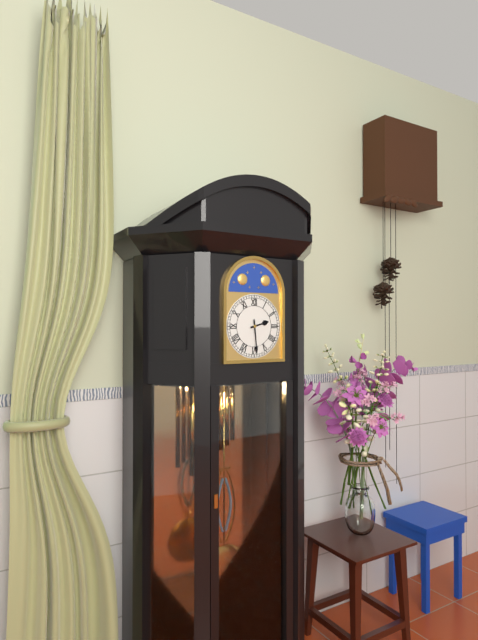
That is 2.29
